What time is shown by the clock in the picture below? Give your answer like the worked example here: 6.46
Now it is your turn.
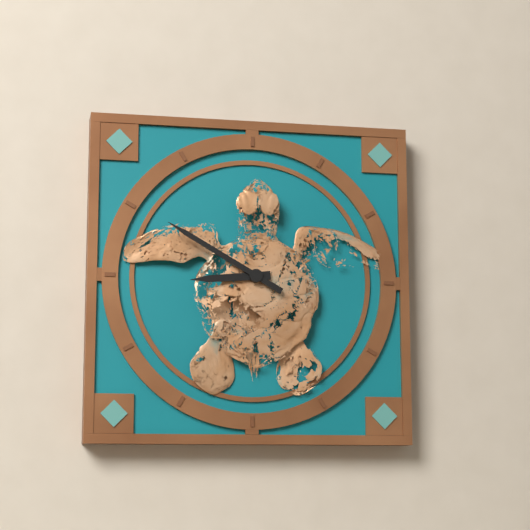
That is 8.50
